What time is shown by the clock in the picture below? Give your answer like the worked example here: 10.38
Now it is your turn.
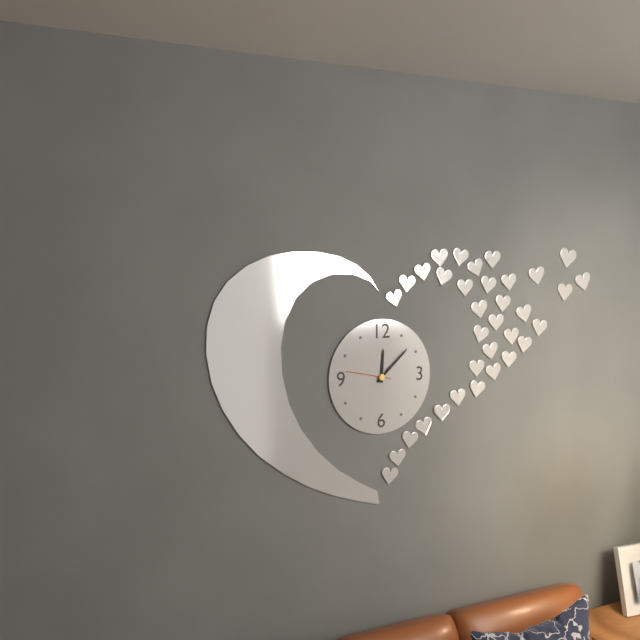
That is 12.08
